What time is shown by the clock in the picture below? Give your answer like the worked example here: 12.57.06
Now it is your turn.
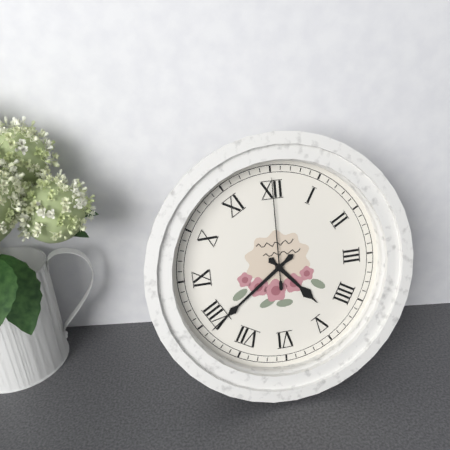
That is 4.39.00
